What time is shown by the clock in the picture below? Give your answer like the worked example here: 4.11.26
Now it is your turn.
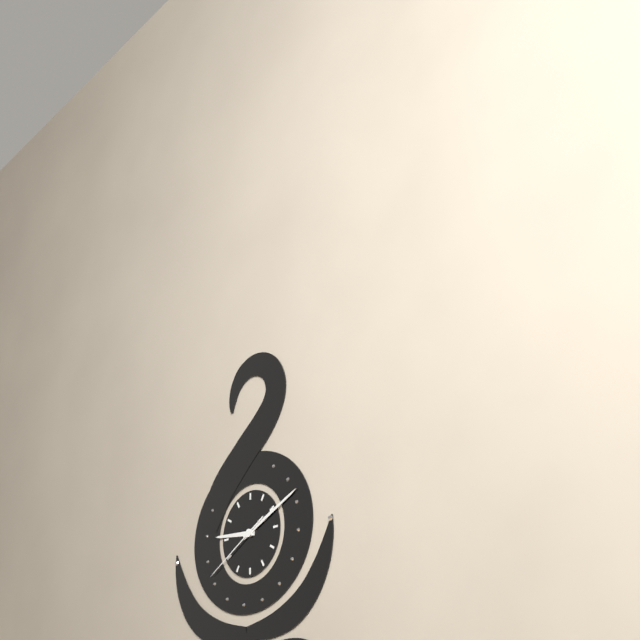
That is 9.11.40
